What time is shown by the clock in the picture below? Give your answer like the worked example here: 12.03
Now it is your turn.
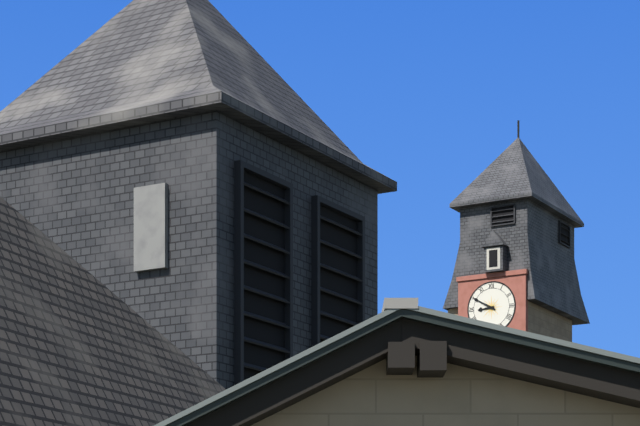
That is 8.50
